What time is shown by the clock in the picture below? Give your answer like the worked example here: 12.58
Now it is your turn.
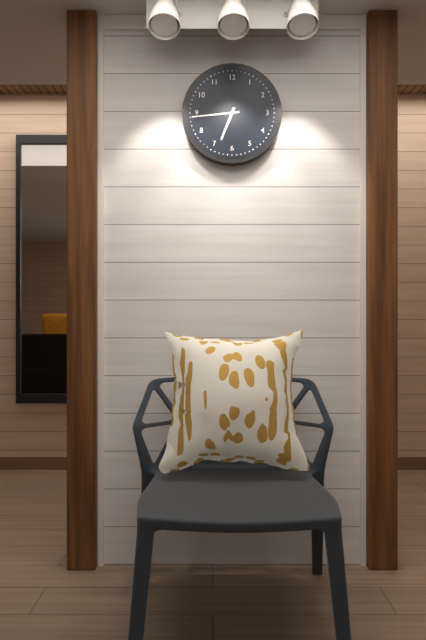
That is 6.44
